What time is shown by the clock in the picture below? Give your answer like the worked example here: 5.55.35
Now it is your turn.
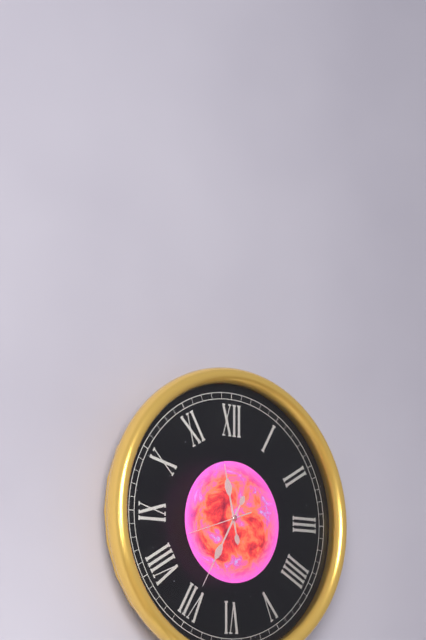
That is 11.35.42
